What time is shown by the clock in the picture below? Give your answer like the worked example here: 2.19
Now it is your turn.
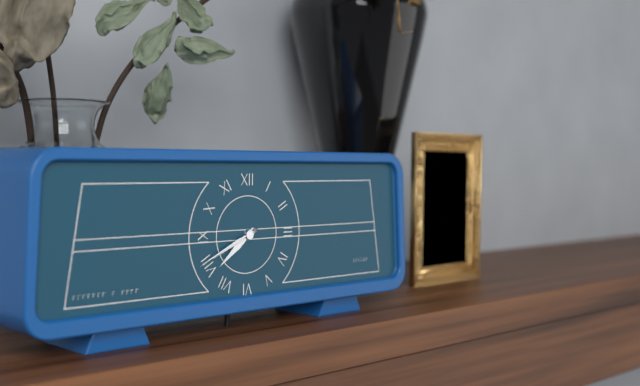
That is 7.41
